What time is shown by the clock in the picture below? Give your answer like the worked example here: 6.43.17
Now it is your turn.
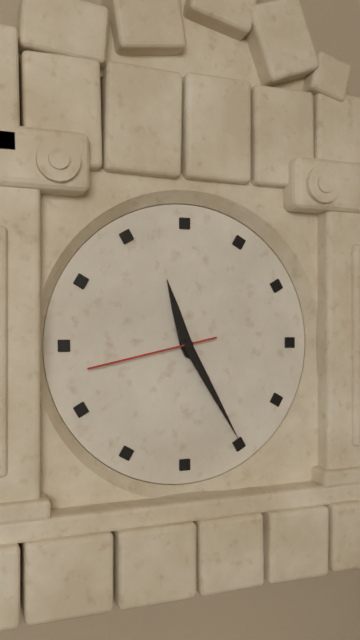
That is 11.25.43
